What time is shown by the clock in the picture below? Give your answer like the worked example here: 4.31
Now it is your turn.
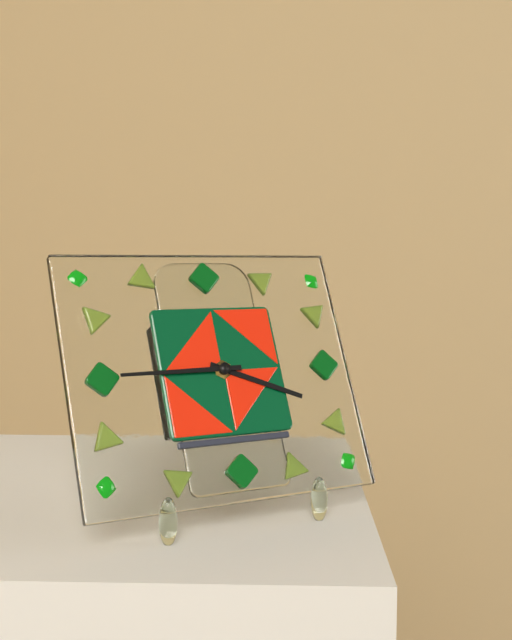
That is 3.45
